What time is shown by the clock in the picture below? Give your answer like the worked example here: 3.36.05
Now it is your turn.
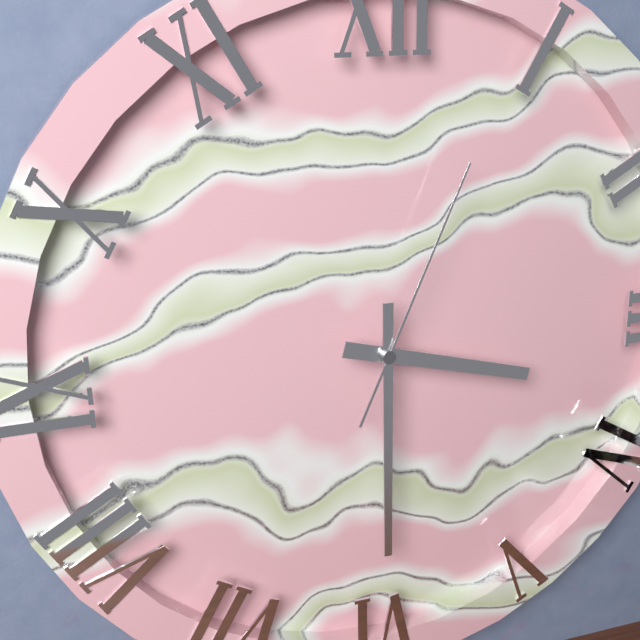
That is 3.30.04
